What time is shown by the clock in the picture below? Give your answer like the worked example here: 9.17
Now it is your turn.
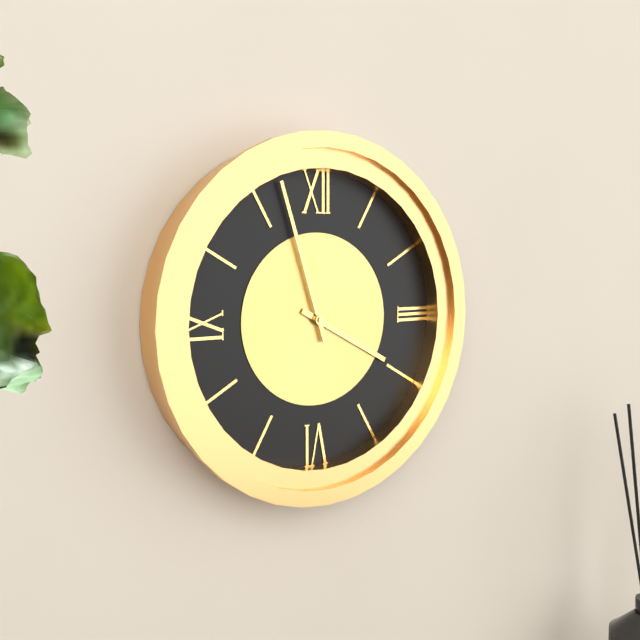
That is 3.57
